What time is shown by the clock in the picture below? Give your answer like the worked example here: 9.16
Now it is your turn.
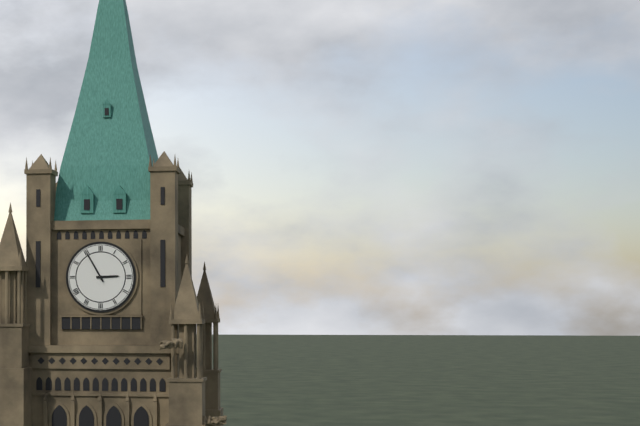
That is 2.55
